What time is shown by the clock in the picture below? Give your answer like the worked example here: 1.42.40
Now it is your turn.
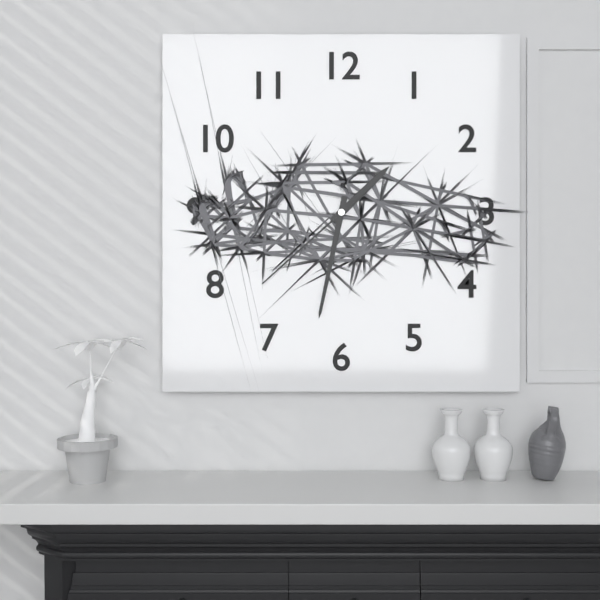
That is 1.32.38
